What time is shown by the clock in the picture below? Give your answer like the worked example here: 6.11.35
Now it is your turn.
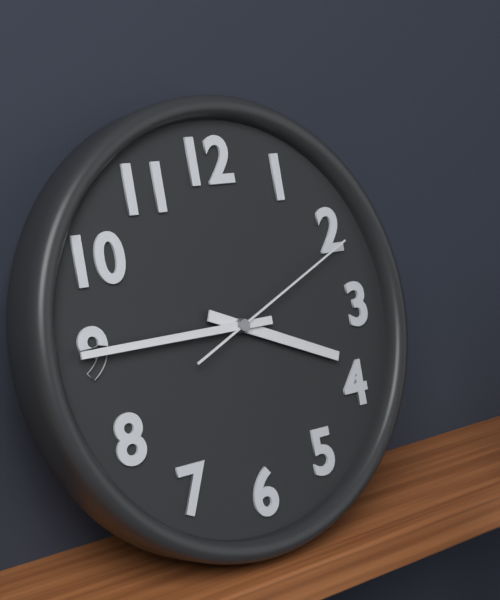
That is 3.45.11
